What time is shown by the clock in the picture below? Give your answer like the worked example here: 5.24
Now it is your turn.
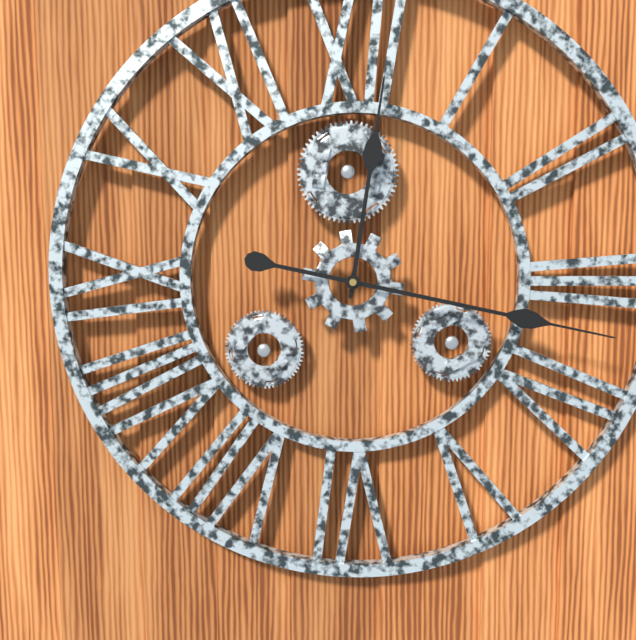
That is 12.17
